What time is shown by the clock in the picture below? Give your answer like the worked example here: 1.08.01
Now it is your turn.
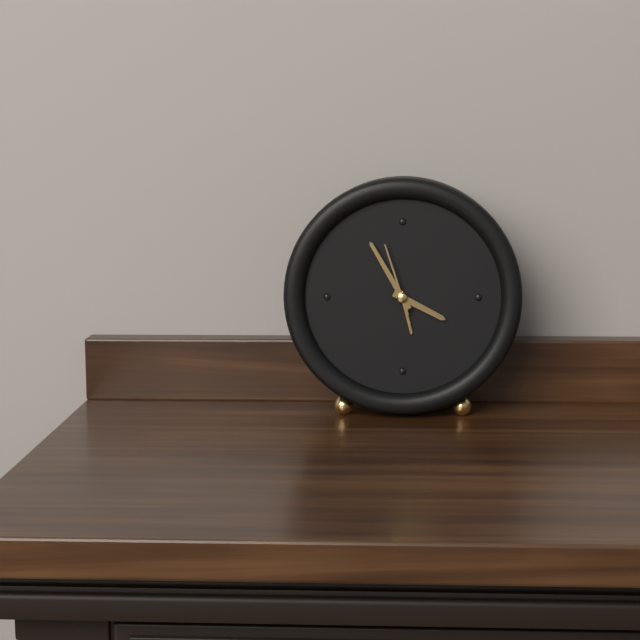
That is 3.55.57
